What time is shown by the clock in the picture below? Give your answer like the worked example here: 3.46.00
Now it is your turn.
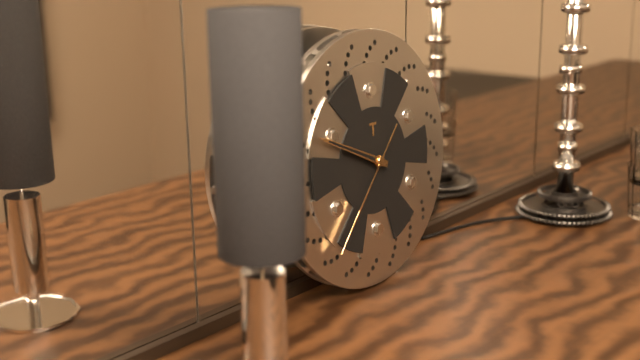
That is 9.49.37
